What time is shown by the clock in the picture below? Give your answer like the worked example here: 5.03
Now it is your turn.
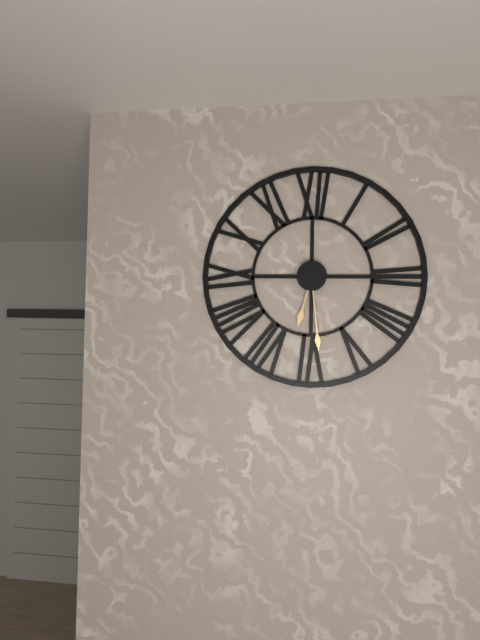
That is 6.29
